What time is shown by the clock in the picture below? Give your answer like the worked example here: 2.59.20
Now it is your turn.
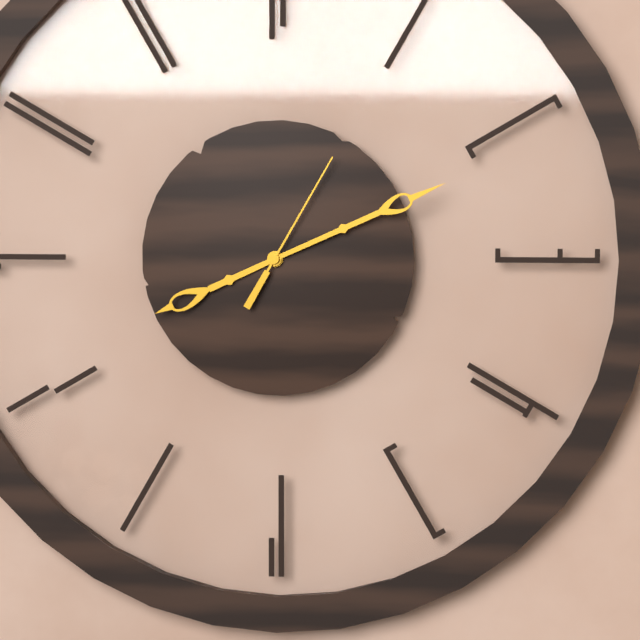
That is 8.11.05
